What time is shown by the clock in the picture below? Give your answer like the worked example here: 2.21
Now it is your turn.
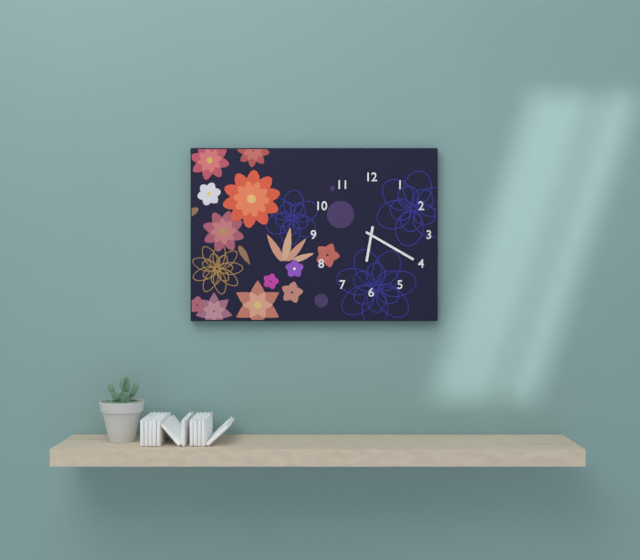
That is 6.20
